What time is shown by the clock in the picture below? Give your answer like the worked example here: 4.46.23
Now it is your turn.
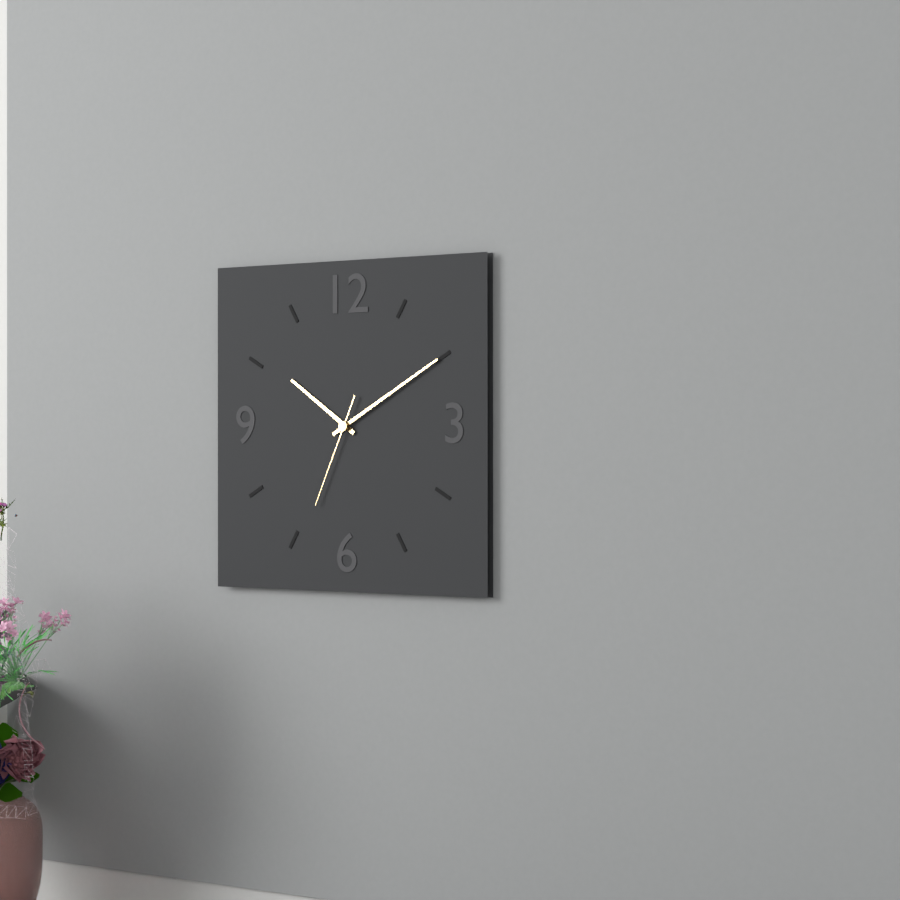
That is 10.10.34
